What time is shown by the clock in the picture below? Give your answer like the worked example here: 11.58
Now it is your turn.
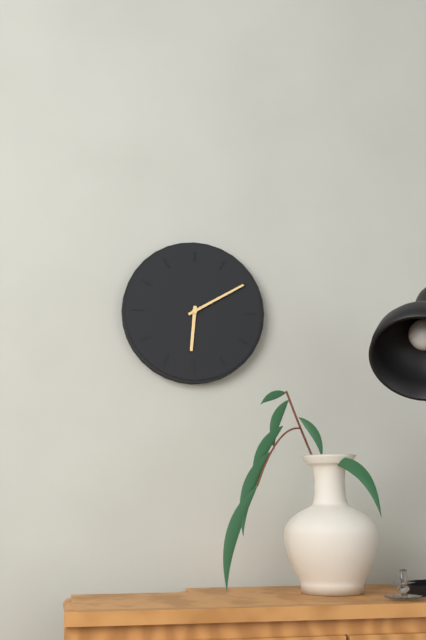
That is 6.10
